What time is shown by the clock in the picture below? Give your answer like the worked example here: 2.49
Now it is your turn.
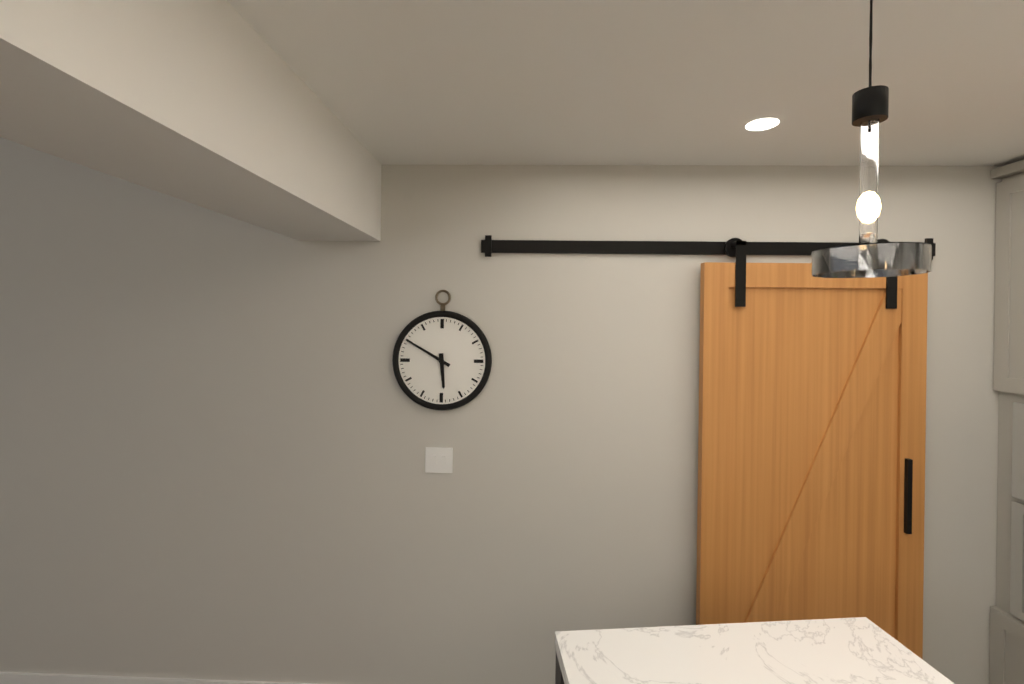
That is 5.50
